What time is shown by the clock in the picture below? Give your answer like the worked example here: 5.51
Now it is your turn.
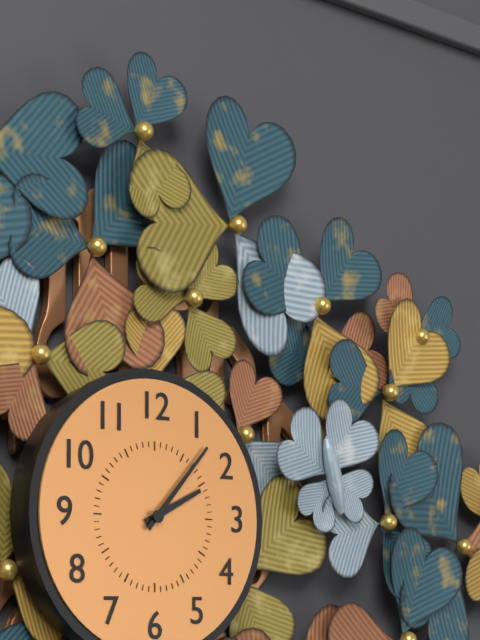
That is 2.07
